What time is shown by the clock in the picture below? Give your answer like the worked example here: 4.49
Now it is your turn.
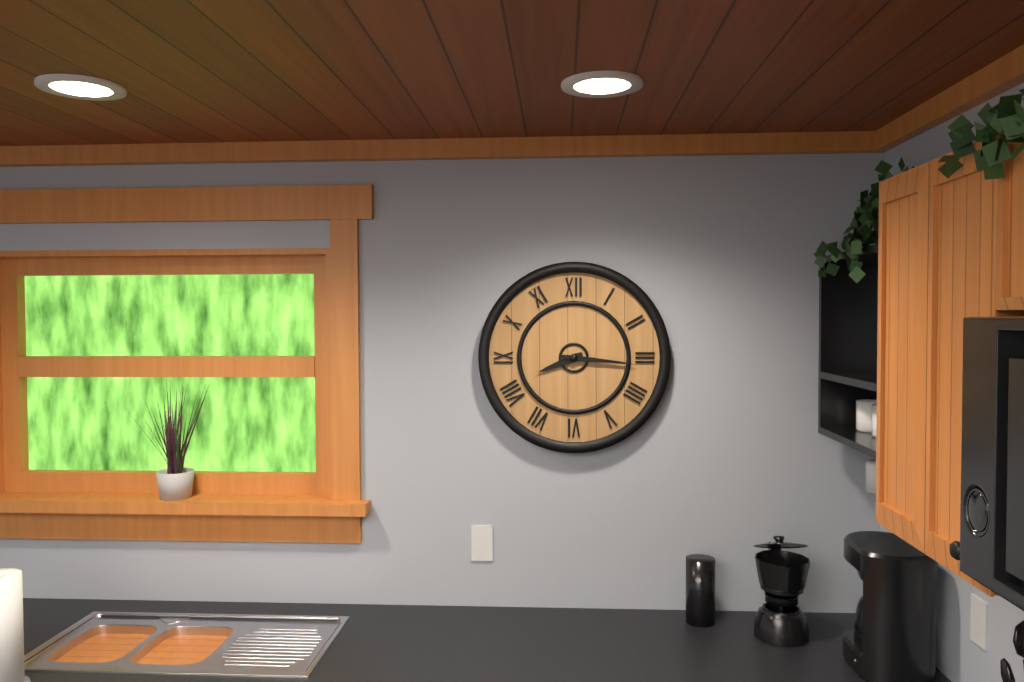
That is 8.16
